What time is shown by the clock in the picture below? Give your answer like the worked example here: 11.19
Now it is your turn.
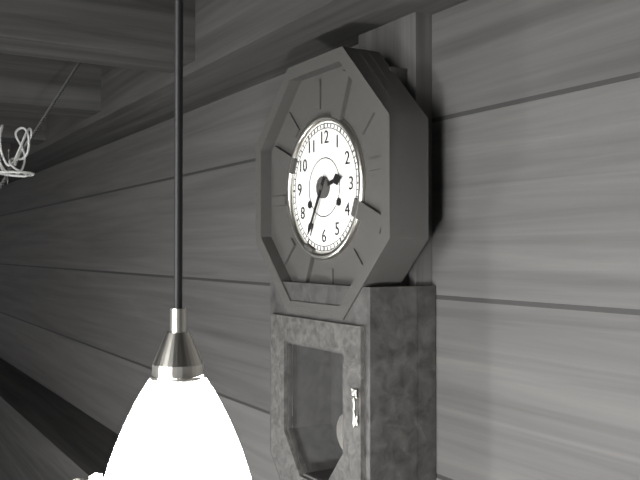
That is 2.35
